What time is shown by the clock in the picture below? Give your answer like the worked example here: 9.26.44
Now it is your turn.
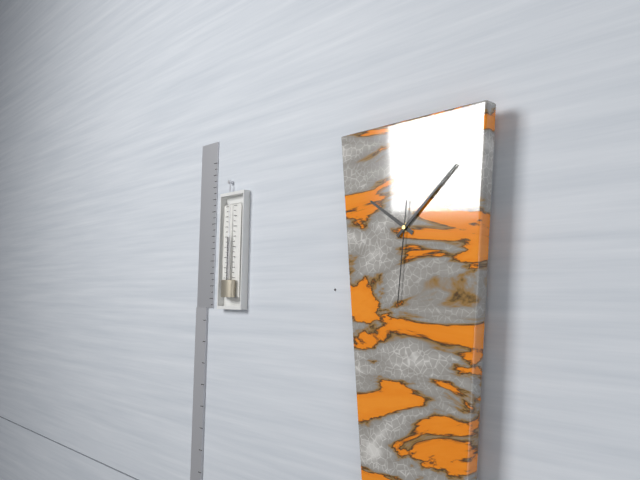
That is 10.08.31
